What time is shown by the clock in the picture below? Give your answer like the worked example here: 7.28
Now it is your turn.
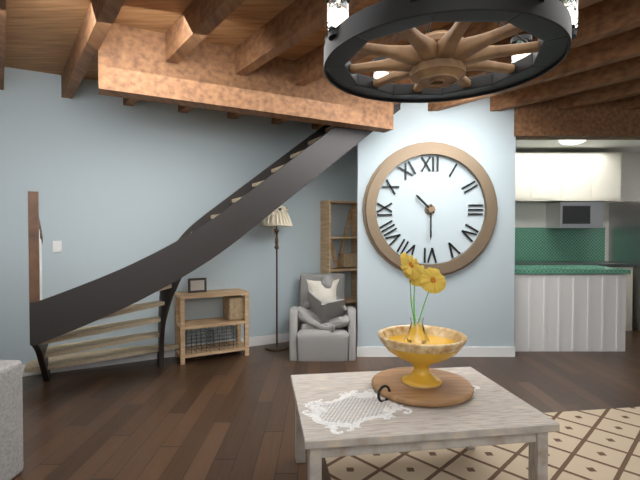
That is 10.30
